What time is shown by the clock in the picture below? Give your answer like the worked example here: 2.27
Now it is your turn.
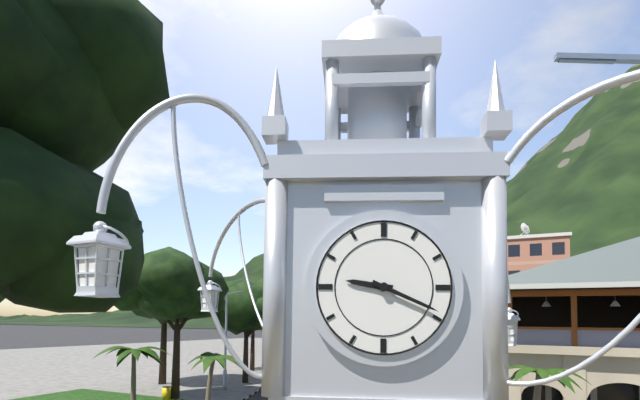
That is 9.19
